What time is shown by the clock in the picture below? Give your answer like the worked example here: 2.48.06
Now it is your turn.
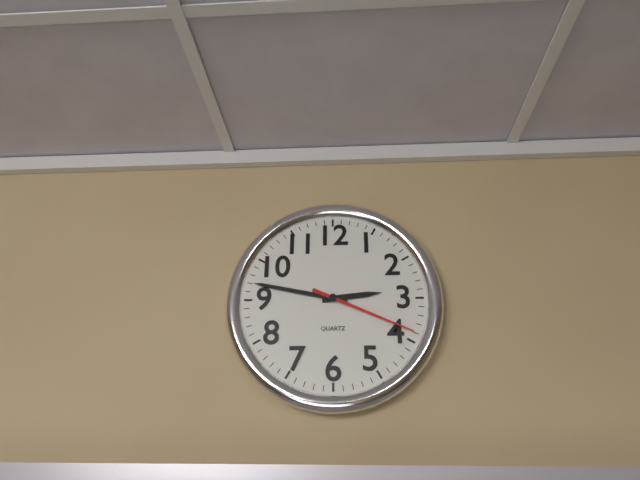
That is 2.47.19
